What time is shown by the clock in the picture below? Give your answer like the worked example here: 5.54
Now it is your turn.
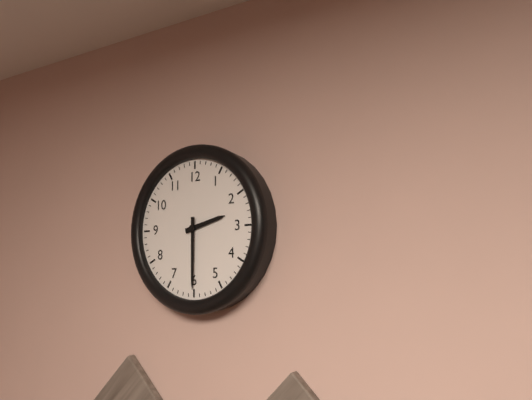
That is 2.30
